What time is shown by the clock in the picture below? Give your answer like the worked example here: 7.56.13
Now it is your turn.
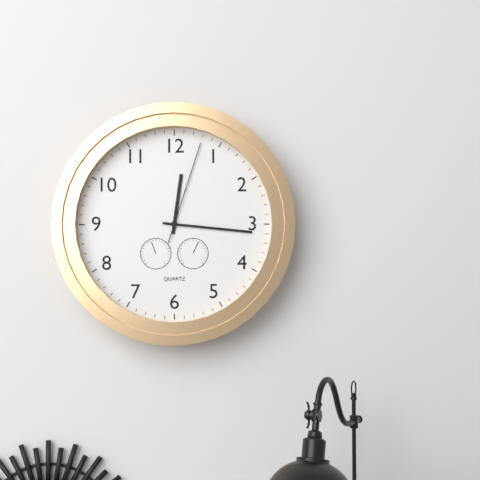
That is 12.16.03
